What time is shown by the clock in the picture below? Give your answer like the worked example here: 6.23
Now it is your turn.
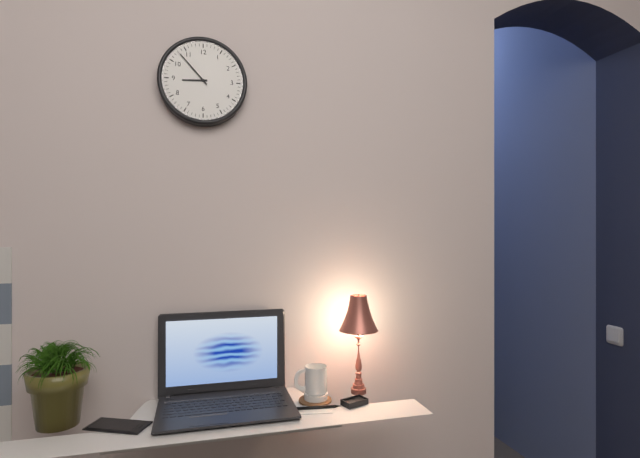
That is 8.53
